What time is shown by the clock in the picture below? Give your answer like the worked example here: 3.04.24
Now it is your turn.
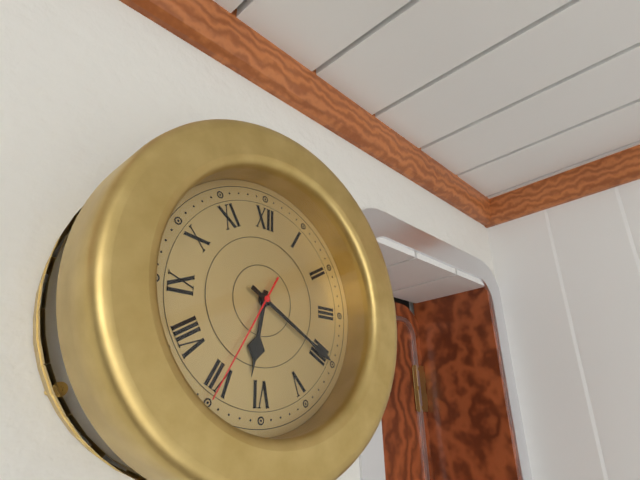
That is 6.20.35
